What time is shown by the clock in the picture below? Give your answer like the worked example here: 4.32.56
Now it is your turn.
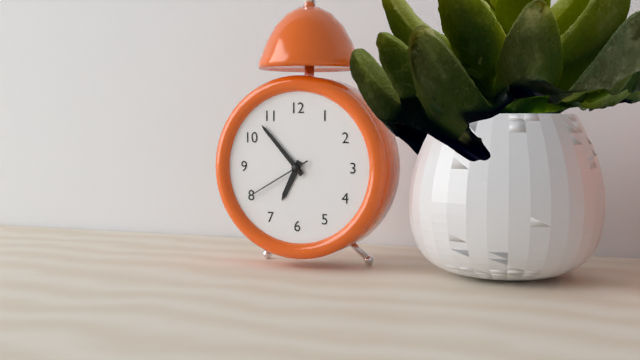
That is 6.53.40
